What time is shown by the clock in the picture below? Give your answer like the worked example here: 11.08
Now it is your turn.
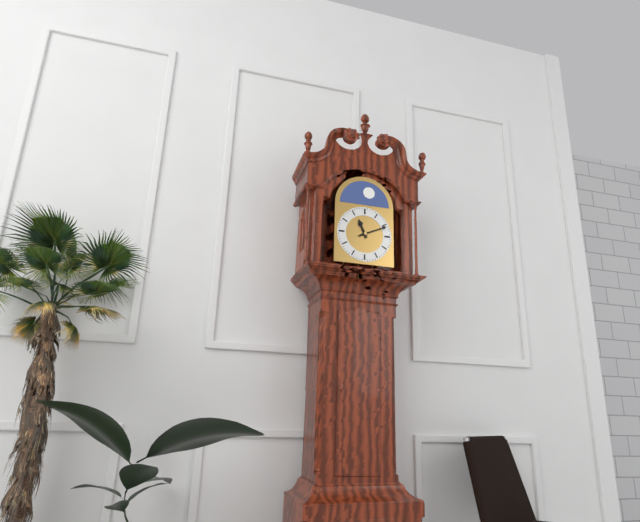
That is 11.11
